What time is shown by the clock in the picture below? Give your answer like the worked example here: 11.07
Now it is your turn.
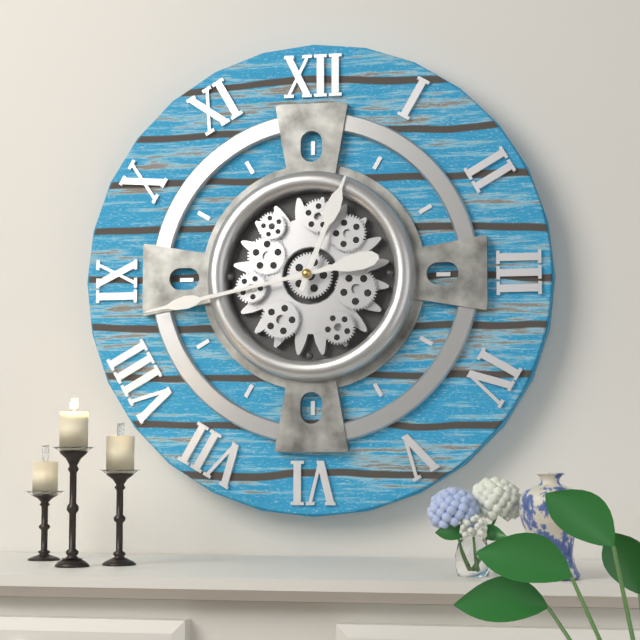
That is 12.43
